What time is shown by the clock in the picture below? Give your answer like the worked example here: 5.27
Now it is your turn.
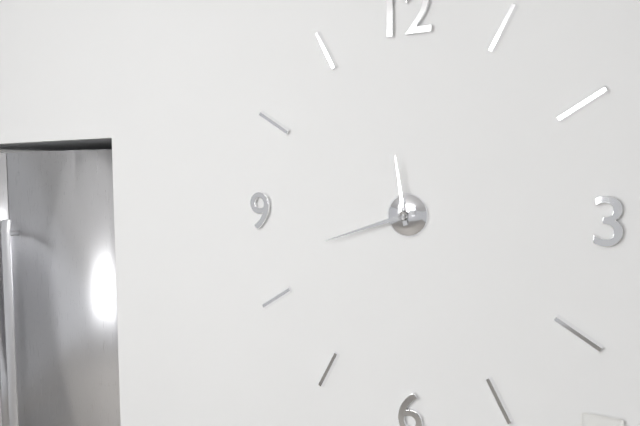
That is 11.42
